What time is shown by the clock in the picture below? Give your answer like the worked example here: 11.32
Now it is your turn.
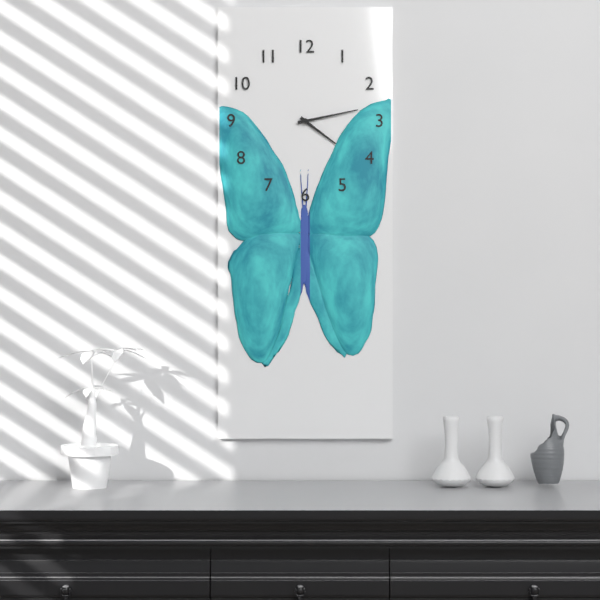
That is 4.13
